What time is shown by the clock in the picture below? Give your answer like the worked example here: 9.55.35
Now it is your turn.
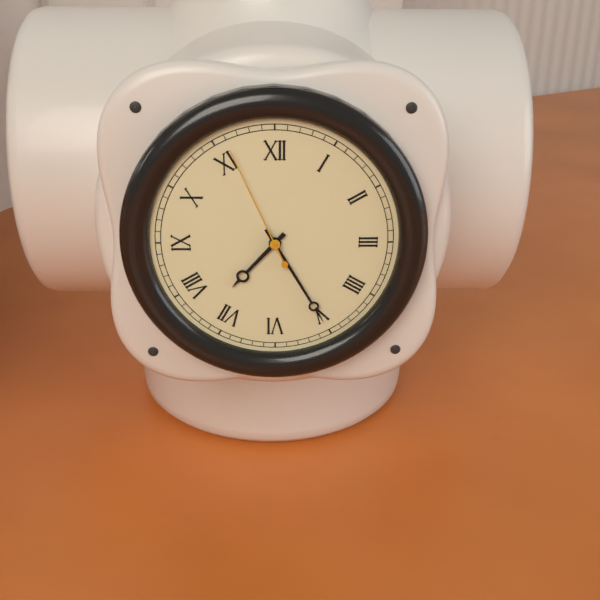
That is 7.25.56
